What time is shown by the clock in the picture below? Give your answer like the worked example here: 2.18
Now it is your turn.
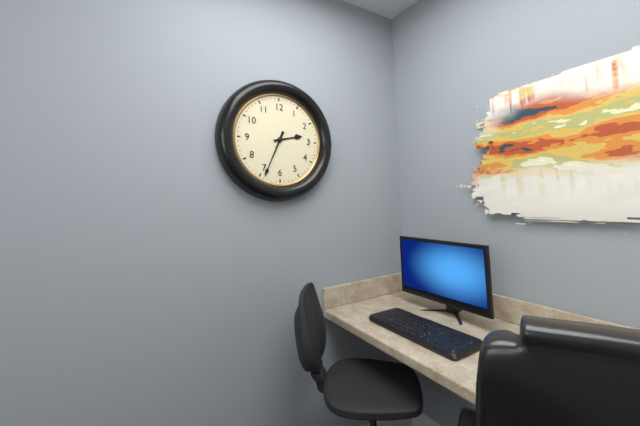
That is 2.34
